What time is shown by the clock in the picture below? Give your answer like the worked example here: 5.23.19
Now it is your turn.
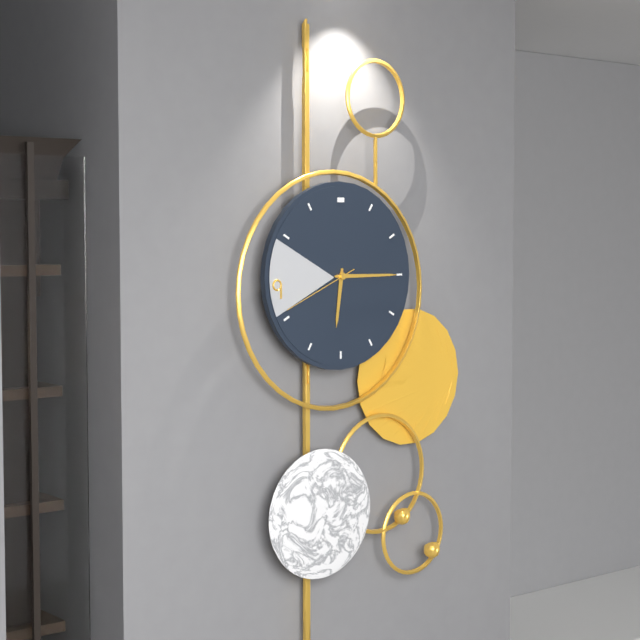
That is 6.15.41
